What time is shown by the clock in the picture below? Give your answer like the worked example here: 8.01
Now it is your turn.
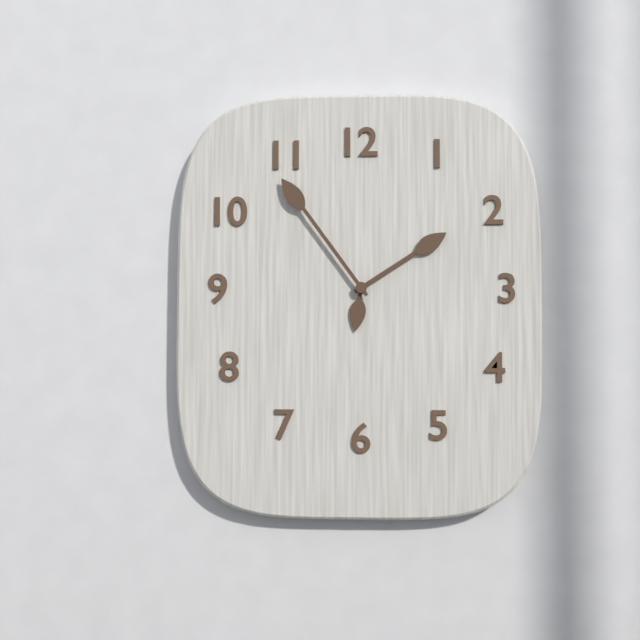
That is 1.54
